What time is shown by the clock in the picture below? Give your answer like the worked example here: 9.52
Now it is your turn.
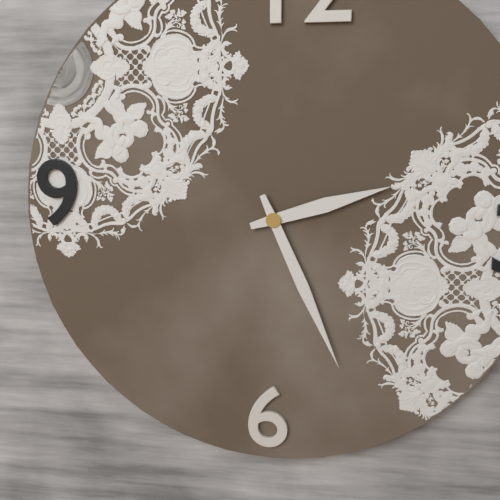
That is 2.26
